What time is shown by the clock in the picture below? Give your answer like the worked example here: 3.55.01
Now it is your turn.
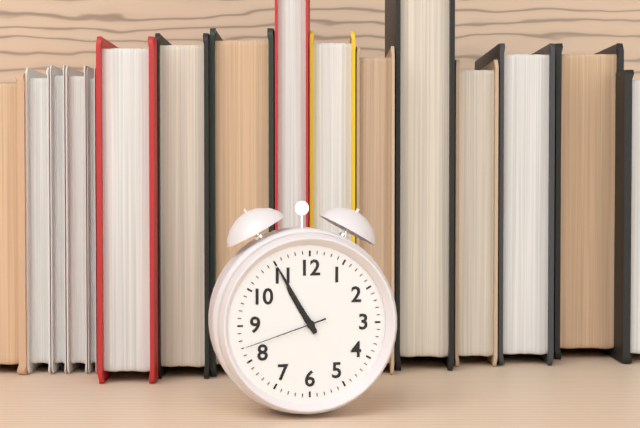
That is 10.55.42
